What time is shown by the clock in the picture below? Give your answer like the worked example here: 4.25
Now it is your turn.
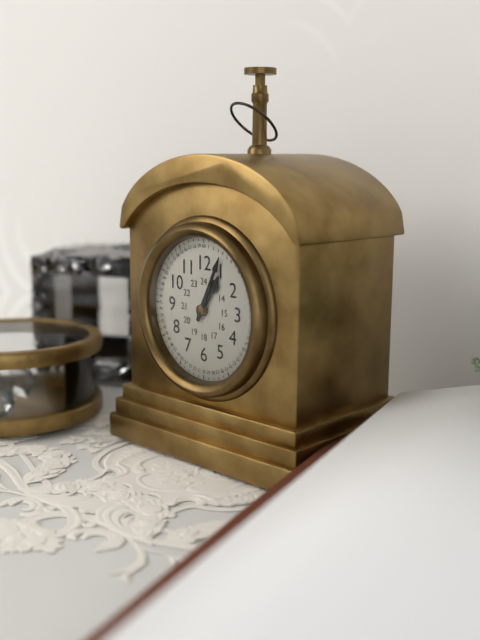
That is 1.04
